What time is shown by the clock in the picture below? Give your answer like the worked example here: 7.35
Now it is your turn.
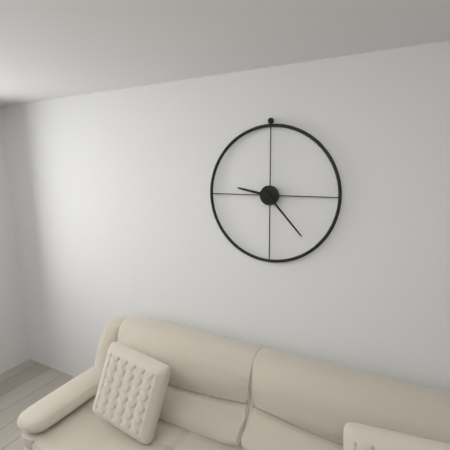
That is 9.23
